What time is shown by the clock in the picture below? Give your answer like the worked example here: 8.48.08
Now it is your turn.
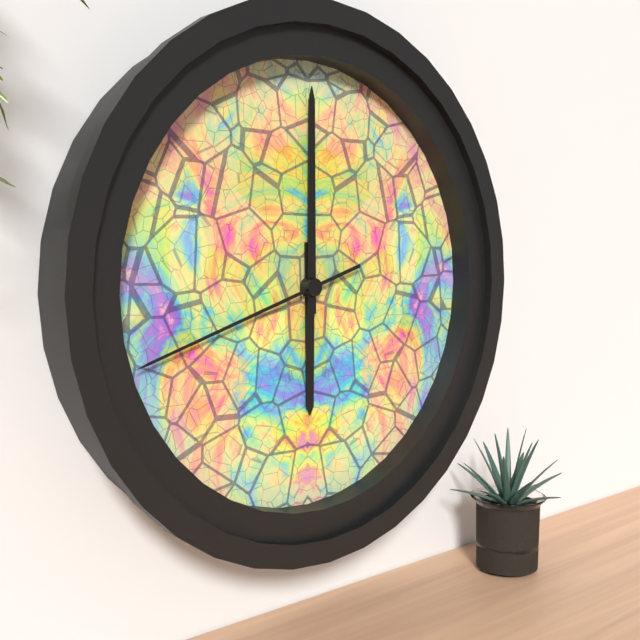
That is 6.00.42
